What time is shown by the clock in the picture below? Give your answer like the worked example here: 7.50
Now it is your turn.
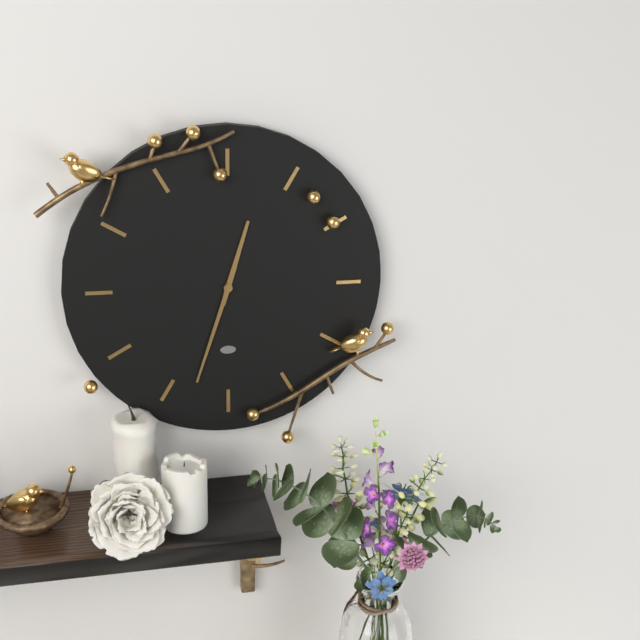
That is 12.33
